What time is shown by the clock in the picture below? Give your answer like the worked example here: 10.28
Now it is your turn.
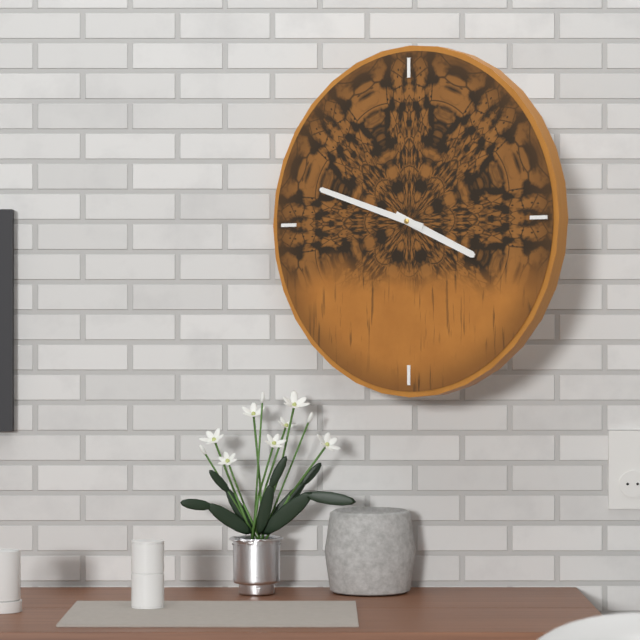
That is 3.48
